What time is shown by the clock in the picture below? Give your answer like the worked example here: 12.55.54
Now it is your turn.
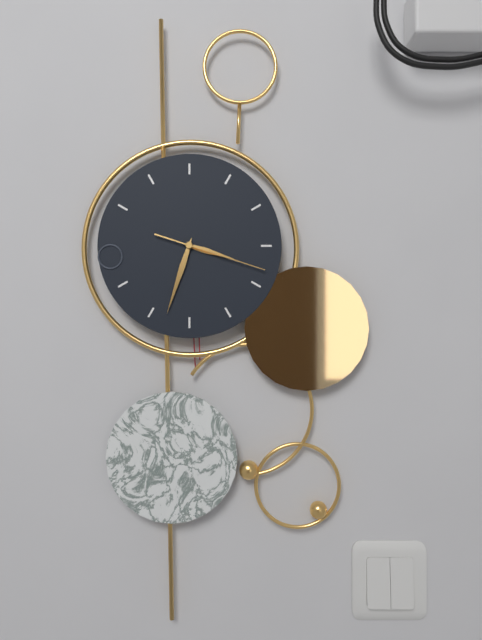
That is 3.33.18
